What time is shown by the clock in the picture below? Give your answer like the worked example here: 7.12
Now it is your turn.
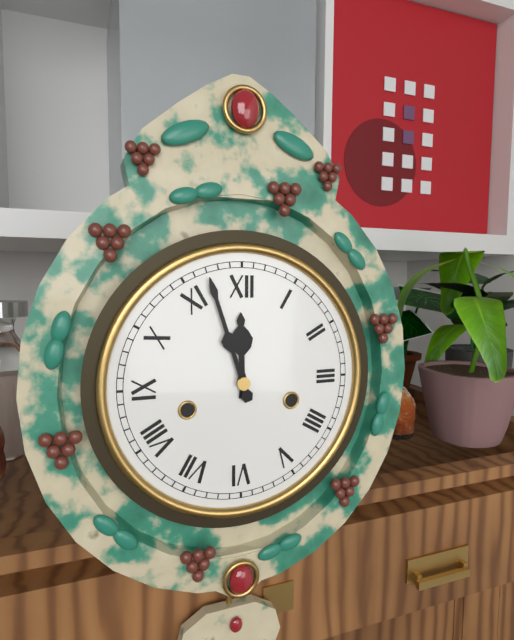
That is 11.57
